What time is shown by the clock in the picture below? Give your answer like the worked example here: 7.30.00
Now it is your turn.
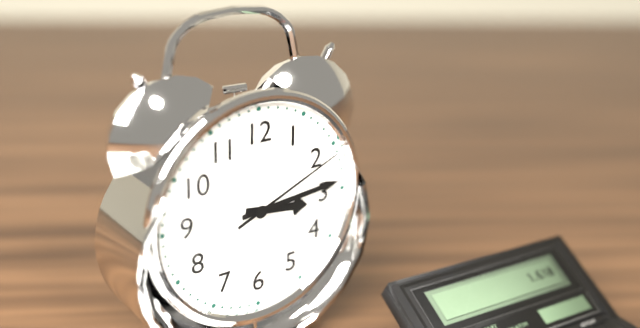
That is 3.14.11
